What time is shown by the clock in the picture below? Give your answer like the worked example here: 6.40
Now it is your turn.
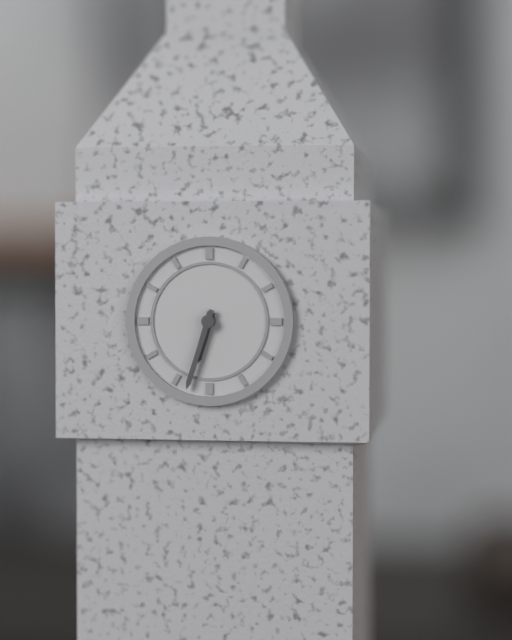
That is 6.33
